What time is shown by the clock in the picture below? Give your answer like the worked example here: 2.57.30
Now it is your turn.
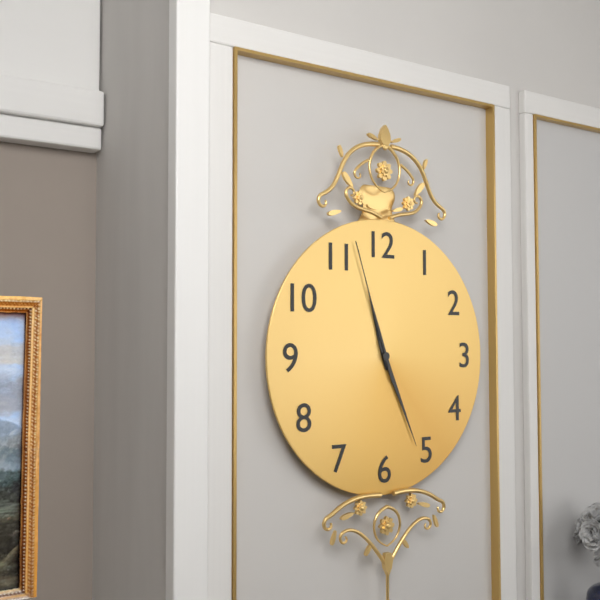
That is 11.26.57
